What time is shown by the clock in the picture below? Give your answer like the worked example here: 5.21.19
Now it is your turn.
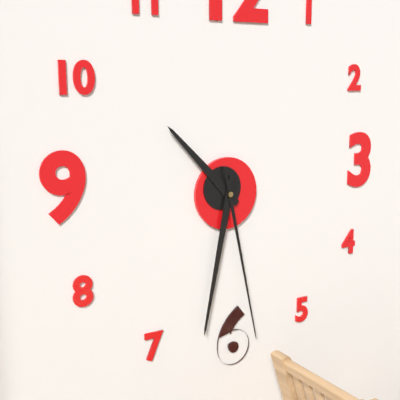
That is 10.32.28
